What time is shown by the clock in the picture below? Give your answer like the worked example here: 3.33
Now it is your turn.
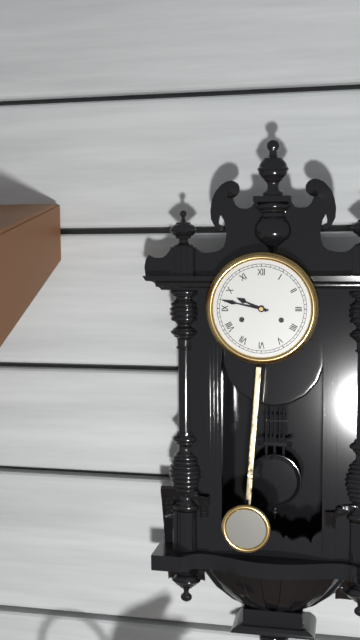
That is 9.47
